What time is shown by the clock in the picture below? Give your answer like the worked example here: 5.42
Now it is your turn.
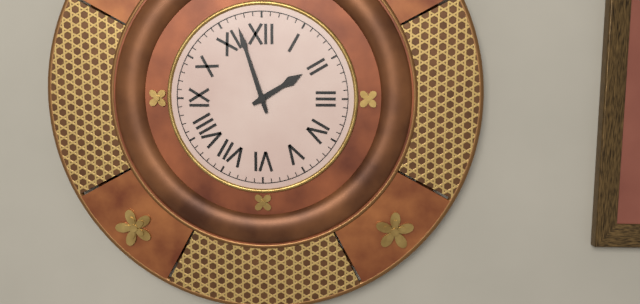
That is 1.57
